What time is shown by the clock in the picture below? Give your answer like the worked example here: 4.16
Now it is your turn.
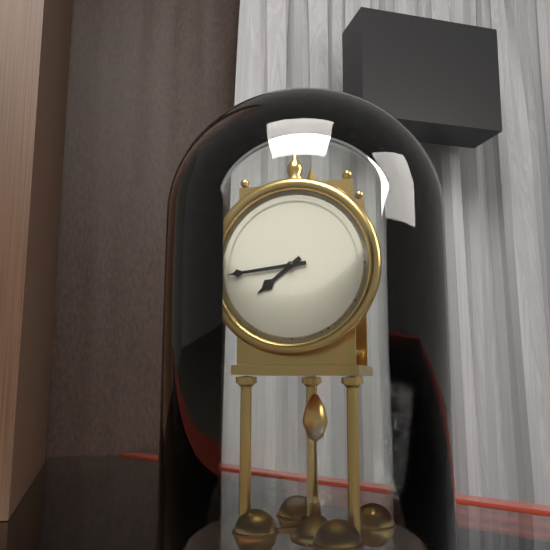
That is 7.44
